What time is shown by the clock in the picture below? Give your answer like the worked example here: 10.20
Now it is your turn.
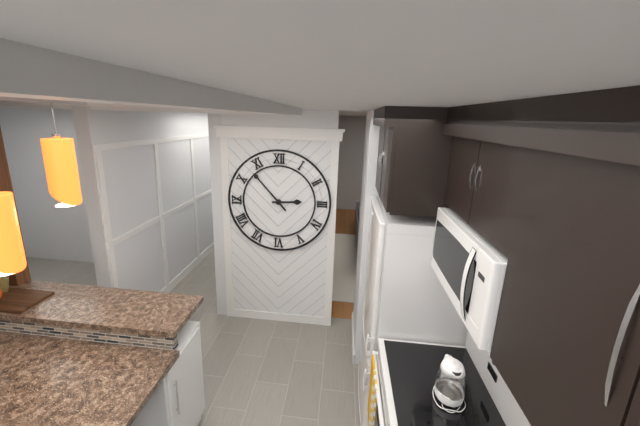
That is 2.53
